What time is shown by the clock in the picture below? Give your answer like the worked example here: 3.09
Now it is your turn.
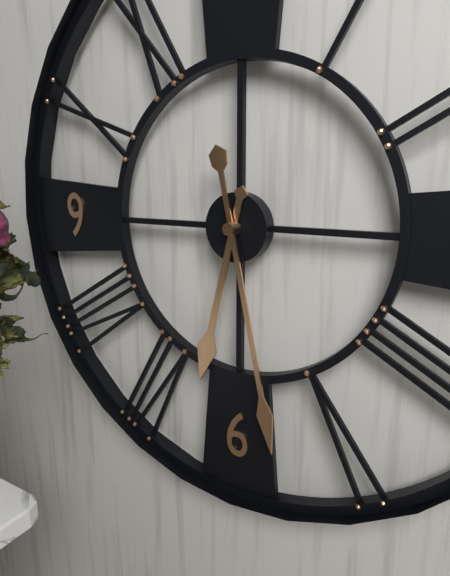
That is 6.28
